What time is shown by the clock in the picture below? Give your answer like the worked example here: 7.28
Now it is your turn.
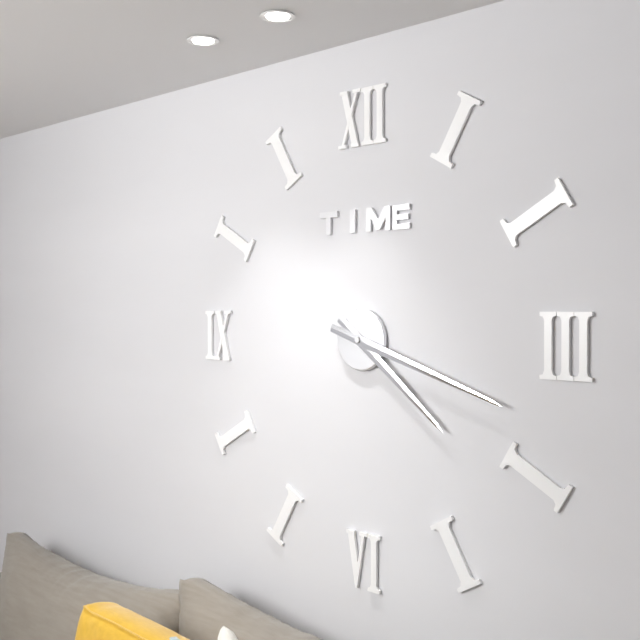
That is 4.18
